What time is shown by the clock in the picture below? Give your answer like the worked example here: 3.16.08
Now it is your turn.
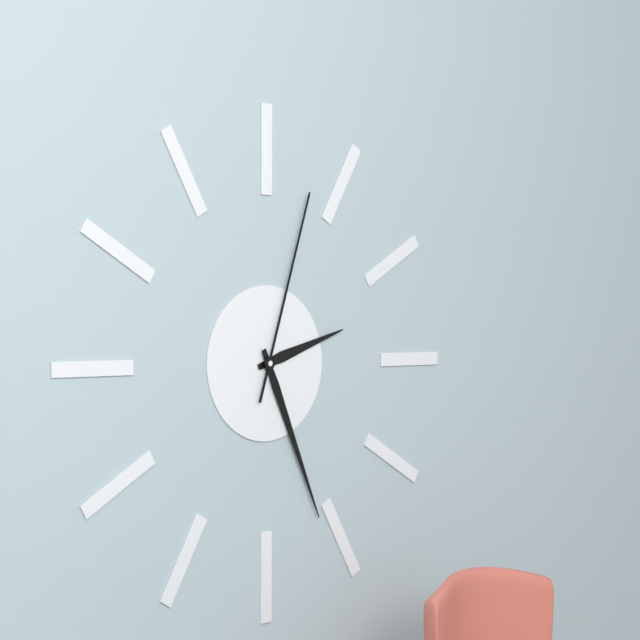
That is 2.26.03
